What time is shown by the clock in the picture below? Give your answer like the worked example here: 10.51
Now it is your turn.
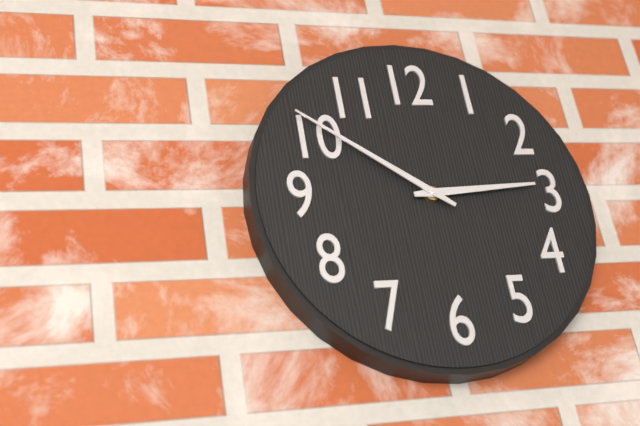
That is 2.51
